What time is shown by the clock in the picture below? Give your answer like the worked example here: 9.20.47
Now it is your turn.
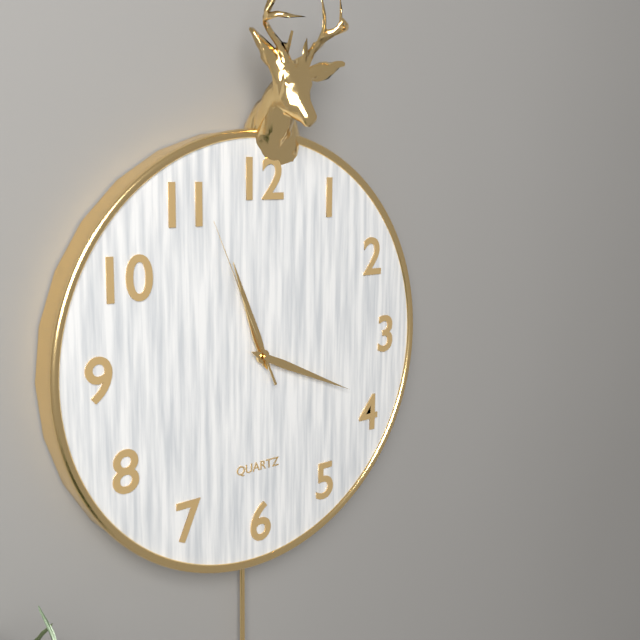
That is 11.19.56
